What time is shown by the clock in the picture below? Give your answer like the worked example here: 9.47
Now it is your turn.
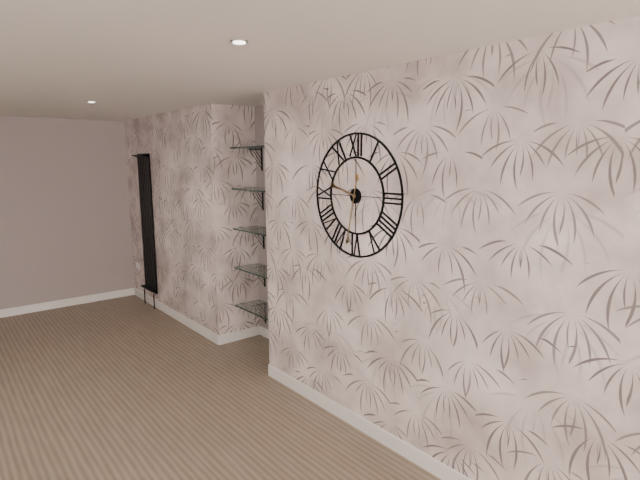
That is 9.32
